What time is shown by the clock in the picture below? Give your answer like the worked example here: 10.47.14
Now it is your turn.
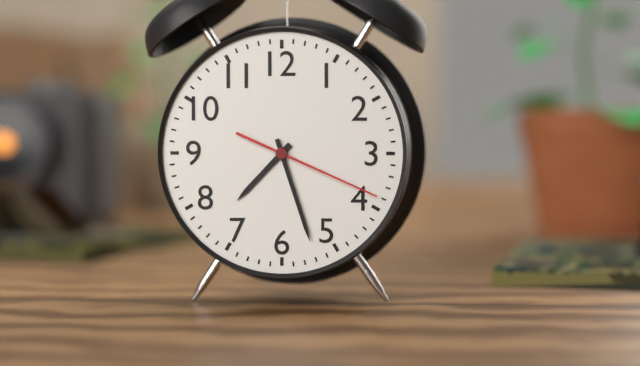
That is 7.27.19
